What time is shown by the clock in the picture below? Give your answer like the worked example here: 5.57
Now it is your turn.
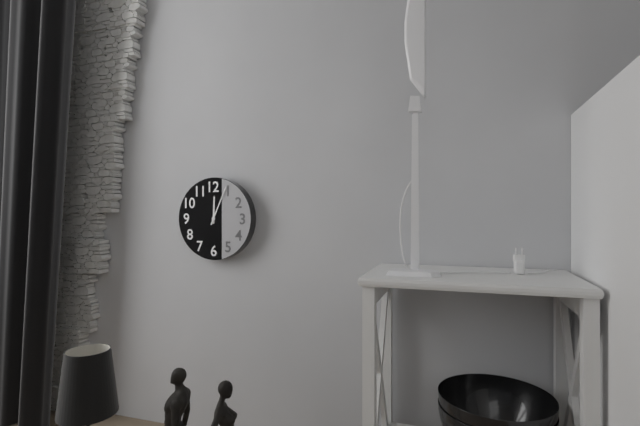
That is 12.04
